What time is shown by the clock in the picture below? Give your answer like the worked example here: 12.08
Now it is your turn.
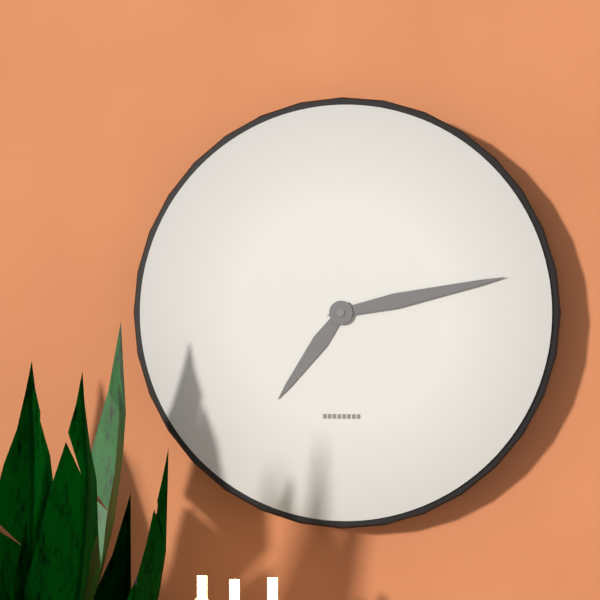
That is 7.13
